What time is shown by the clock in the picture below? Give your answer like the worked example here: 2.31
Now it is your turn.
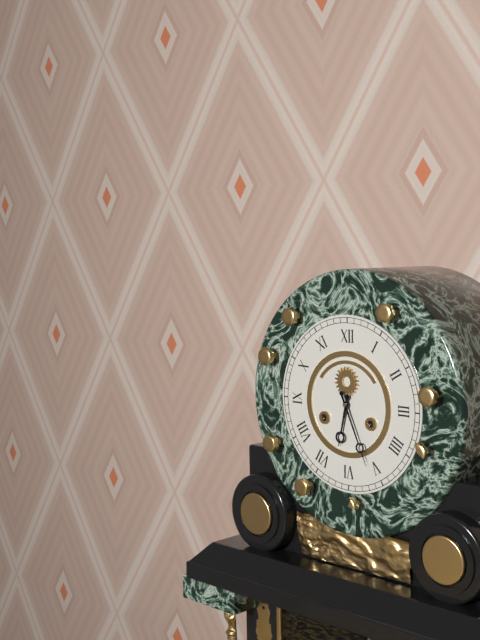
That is 6.26
